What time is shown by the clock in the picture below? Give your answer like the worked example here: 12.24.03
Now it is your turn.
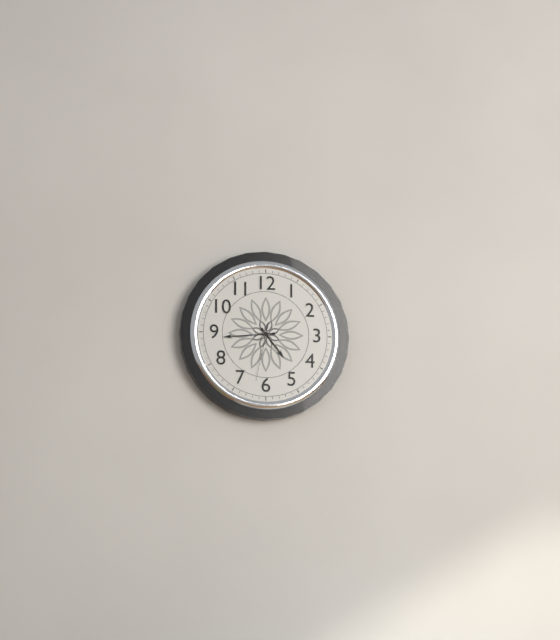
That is 4.44.32
